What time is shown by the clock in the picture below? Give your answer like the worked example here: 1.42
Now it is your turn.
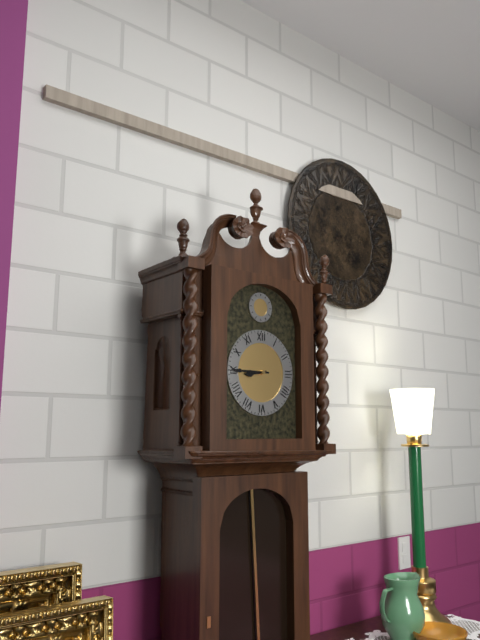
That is 8.45
